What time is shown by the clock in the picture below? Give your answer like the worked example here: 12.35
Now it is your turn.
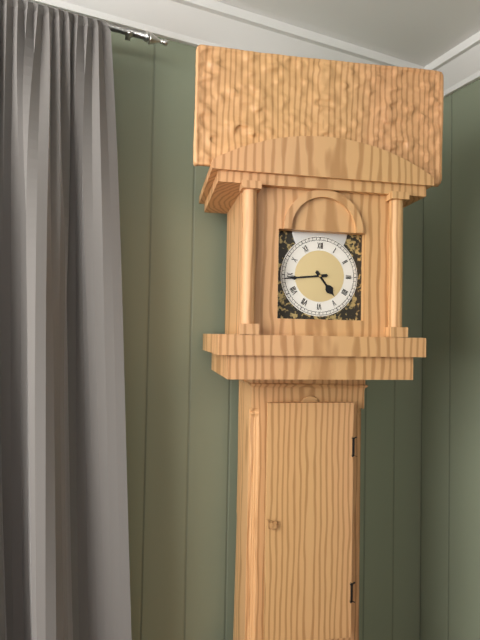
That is 4.44
